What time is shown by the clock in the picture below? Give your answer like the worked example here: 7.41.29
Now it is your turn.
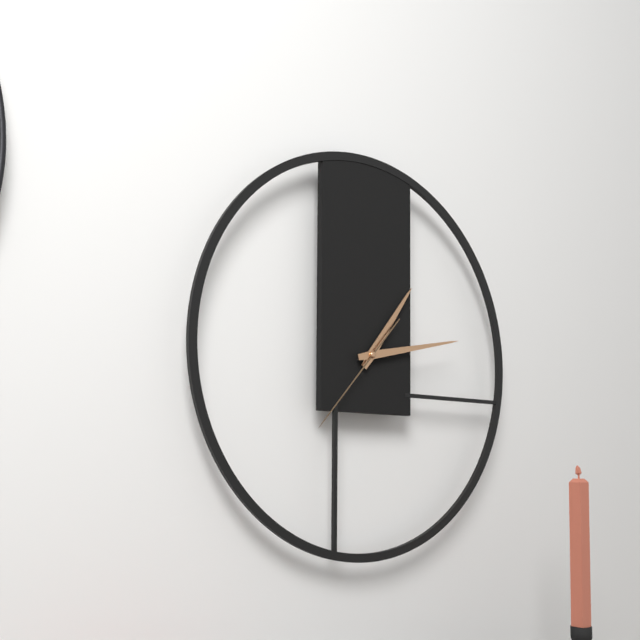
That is 1.13.37
